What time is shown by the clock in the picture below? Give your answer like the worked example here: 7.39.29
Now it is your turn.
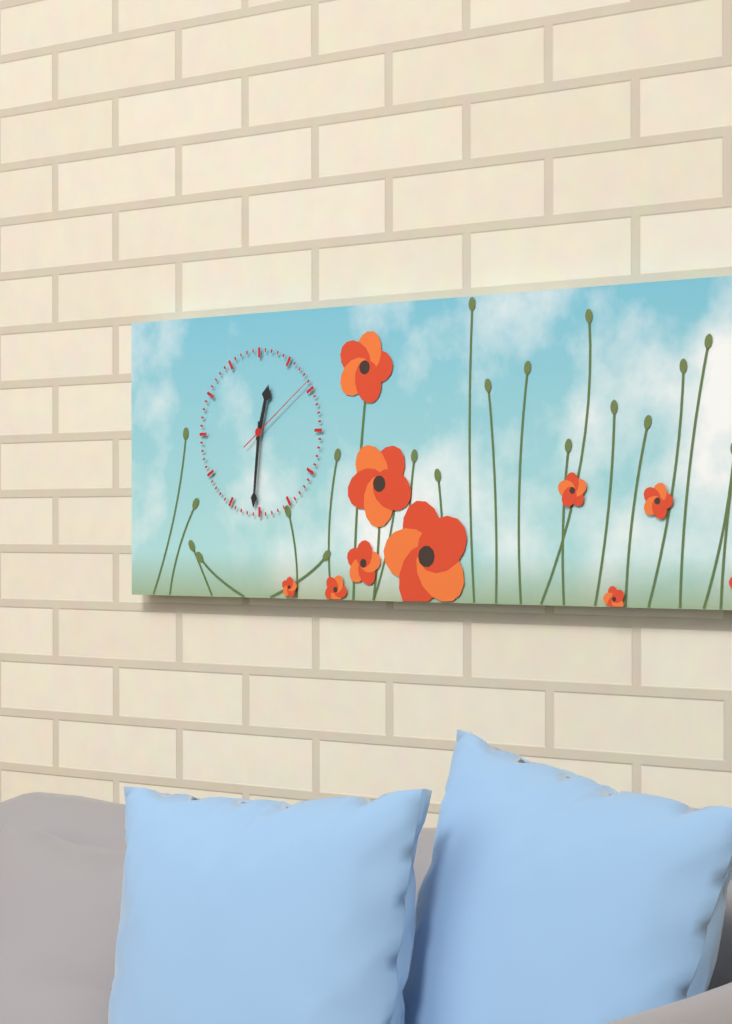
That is 12.31.09
